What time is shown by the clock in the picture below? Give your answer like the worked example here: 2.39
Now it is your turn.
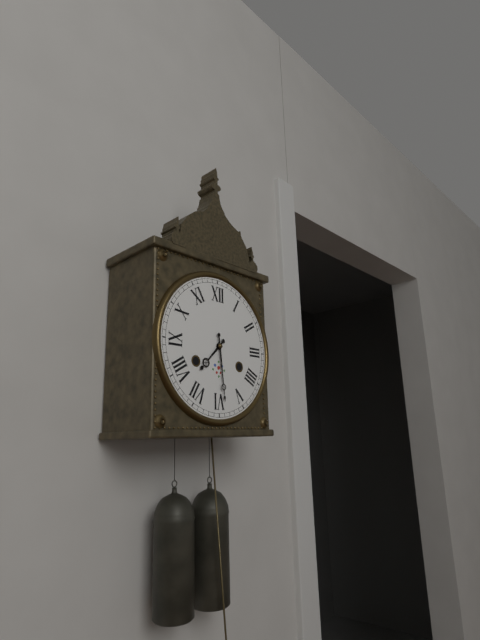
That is 7.29
